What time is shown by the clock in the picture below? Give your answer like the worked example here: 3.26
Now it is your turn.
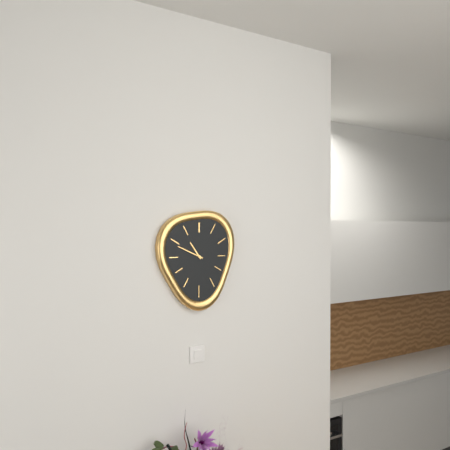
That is 10.49
